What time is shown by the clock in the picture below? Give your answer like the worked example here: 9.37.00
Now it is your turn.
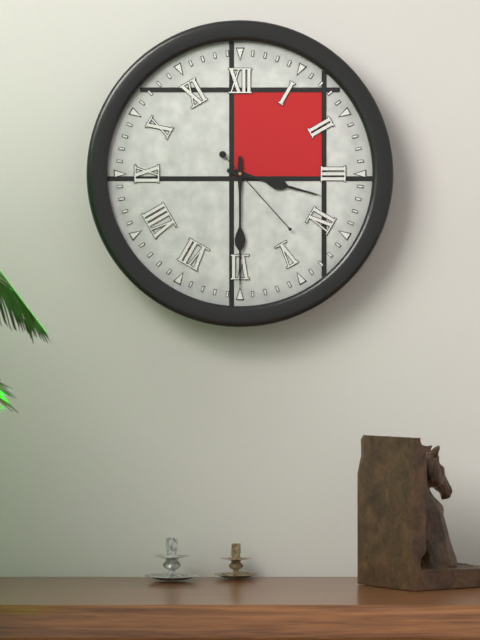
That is 3.30.23
